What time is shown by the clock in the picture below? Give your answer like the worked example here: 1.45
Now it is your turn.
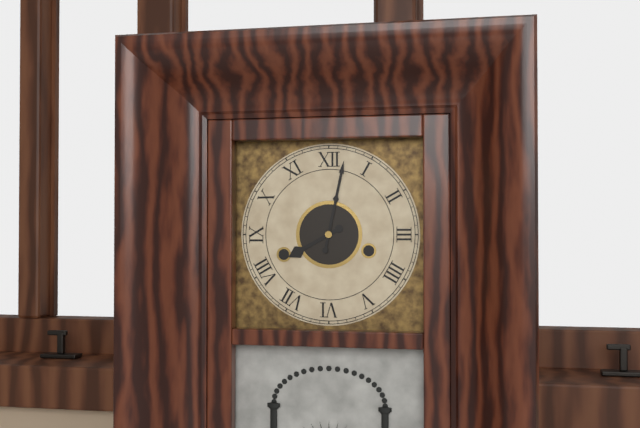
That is 8.02
